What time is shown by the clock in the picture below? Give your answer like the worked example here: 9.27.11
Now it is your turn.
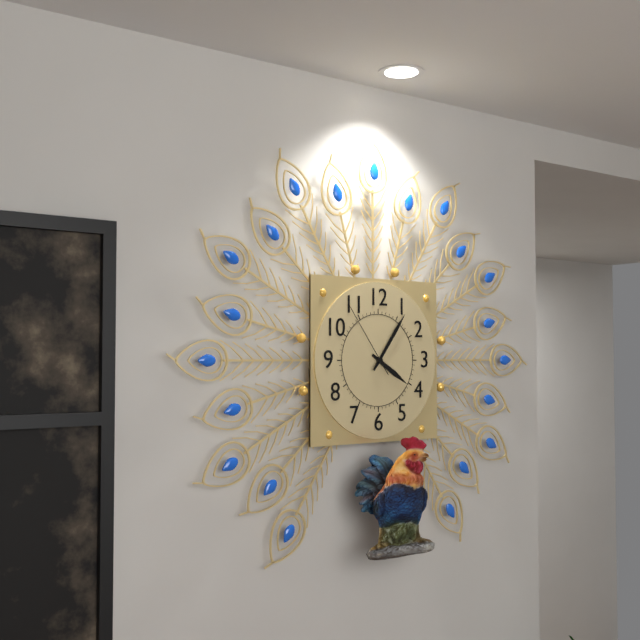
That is 4.06.54
